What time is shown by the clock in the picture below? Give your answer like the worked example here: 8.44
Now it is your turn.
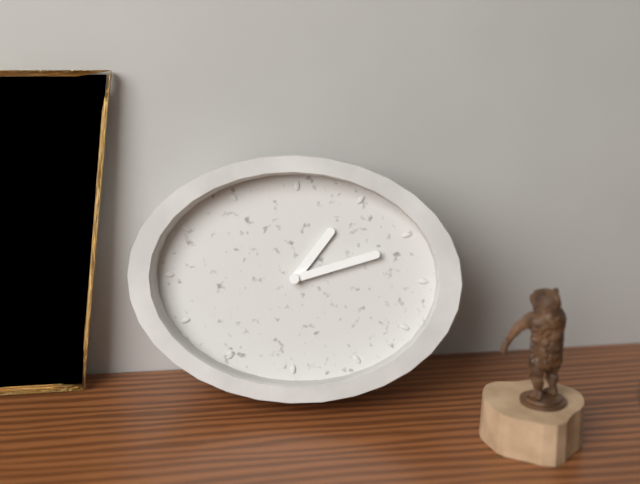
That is 1.12
